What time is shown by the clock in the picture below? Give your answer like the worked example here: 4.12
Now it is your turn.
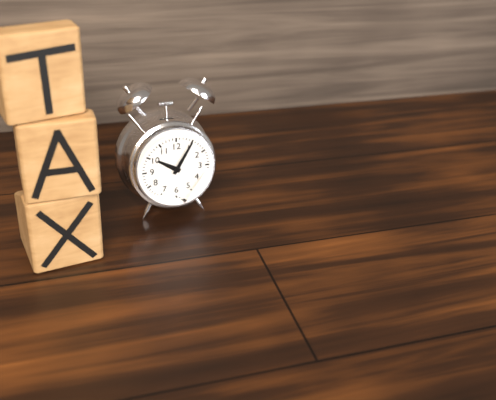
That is 10.05
